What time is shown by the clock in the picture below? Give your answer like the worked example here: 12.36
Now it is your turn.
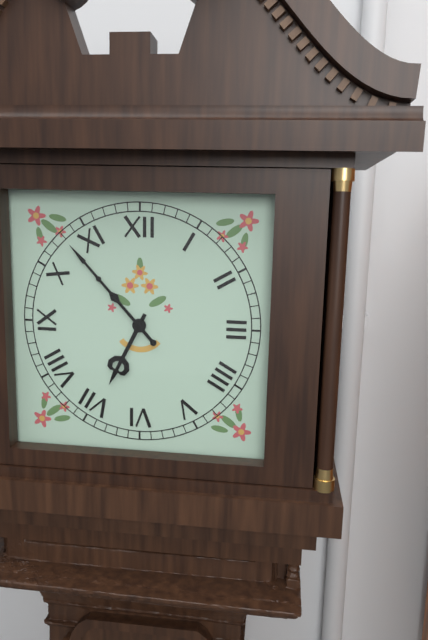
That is 6.53
